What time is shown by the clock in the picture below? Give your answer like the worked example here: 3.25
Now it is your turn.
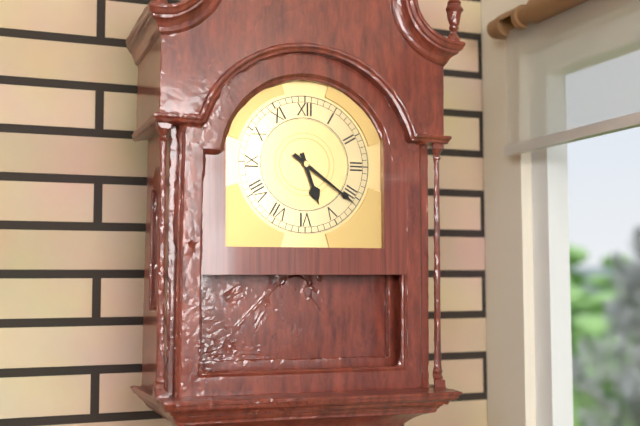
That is 5.21
